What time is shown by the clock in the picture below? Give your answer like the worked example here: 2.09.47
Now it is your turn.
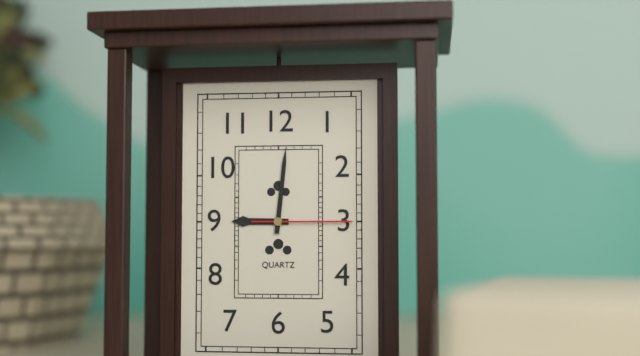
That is 9.01.15
